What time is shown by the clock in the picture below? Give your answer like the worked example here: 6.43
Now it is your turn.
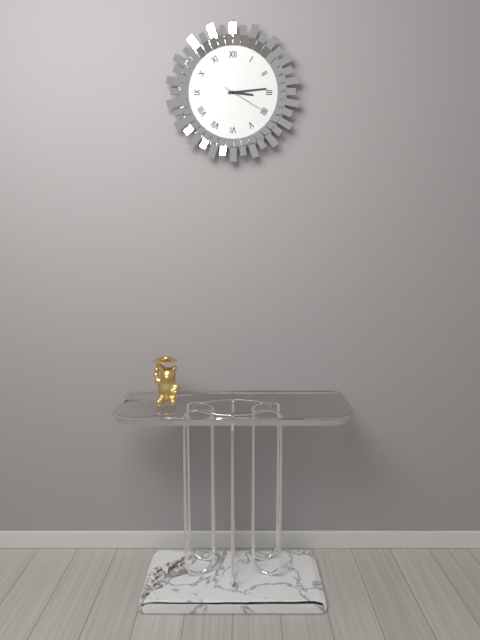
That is 3.14
